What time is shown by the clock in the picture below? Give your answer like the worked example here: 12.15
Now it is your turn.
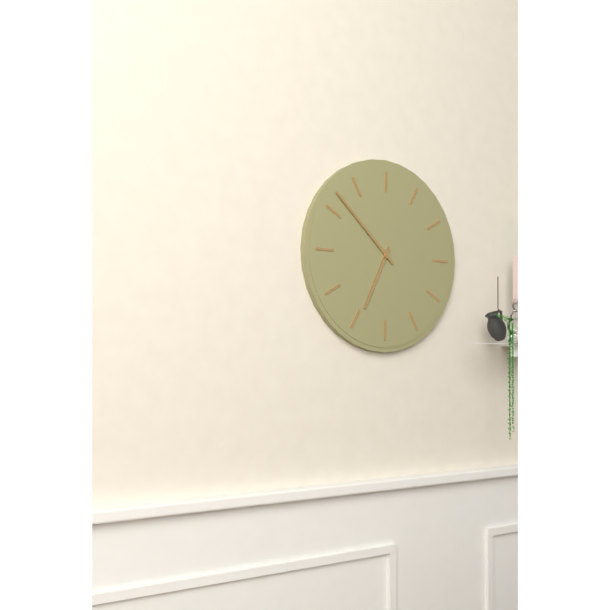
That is 6.52
